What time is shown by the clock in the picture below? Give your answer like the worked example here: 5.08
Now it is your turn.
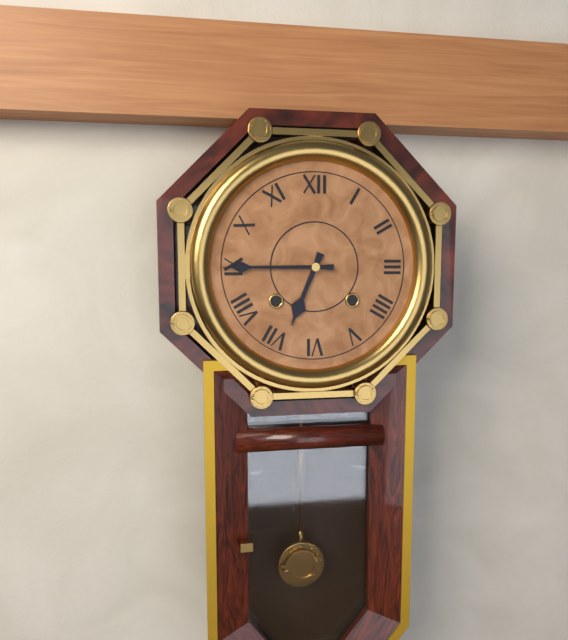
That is 6.45
